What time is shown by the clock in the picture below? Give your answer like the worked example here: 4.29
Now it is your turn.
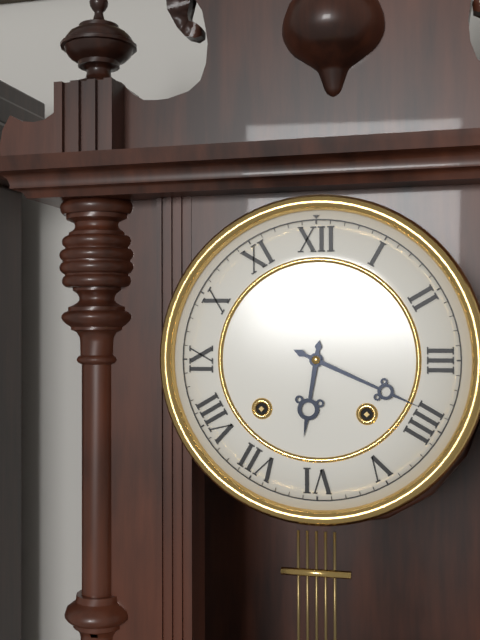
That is 6.19
